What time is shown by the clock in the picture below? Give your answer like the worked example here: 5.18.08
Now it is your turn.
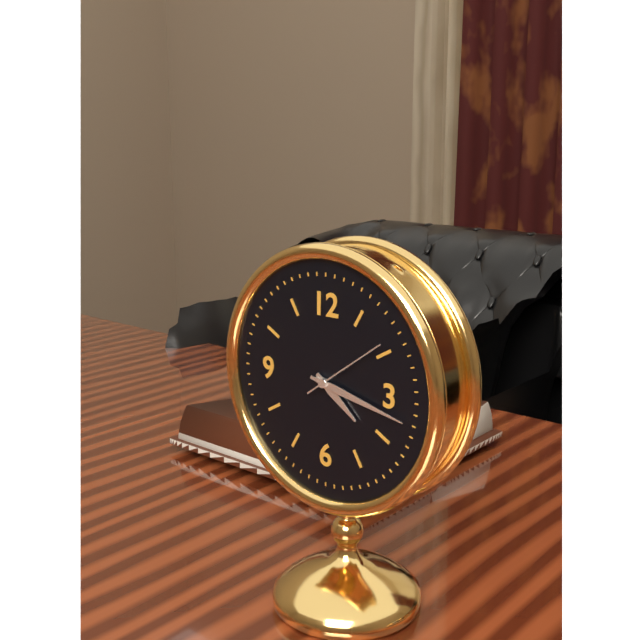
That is 4.17.09
